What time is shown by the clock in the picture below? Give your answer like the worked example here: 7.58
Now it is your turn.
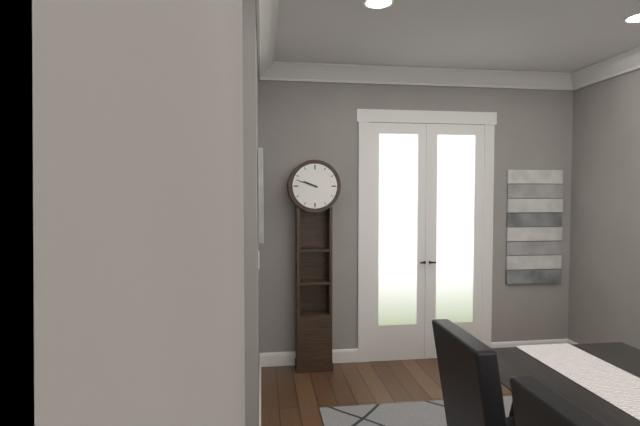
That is 9.48
